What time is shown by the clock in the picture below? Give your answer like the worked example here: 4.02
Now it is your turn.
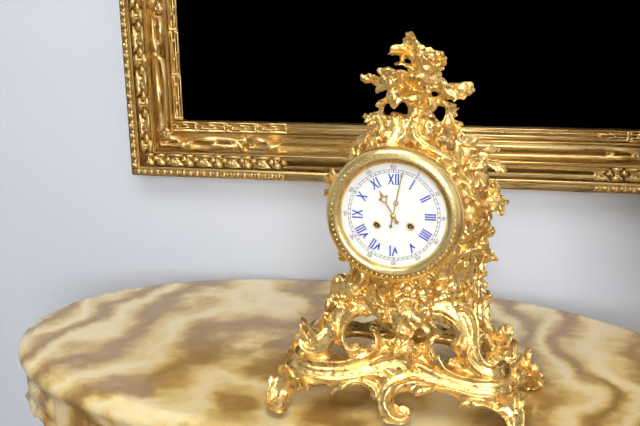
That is 11.02
